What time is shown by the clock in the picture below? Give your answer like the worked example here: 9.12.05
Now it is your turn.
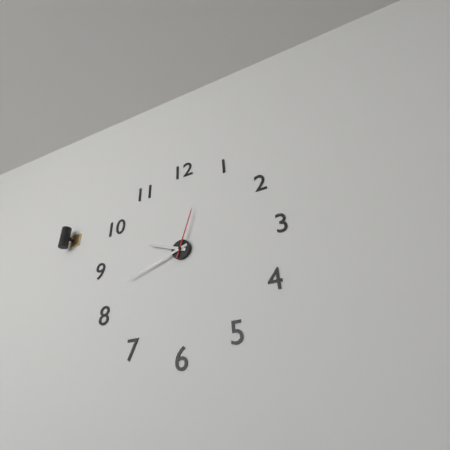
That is 9.42.03
